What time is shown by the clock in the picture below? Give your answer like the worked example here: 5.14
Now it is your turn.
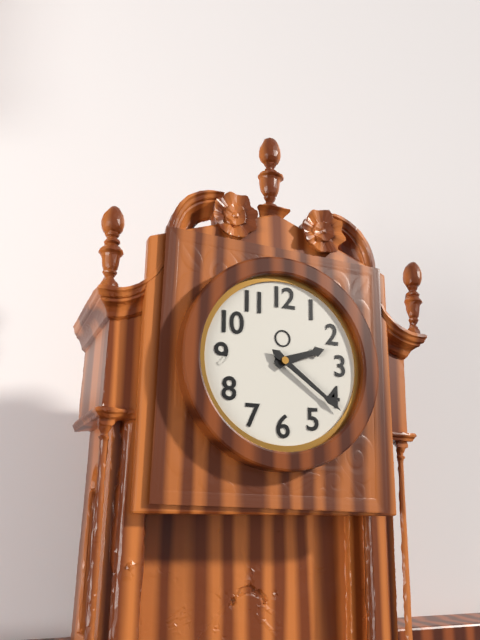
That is 2.21
